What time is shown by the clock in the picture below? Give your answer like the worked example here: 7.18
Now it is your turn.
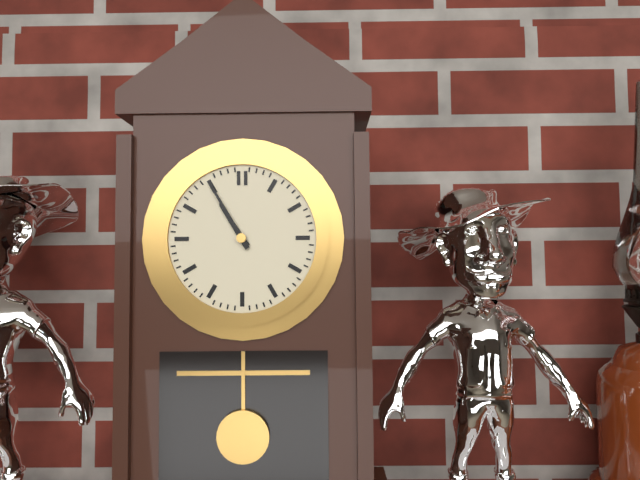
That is 10.55
